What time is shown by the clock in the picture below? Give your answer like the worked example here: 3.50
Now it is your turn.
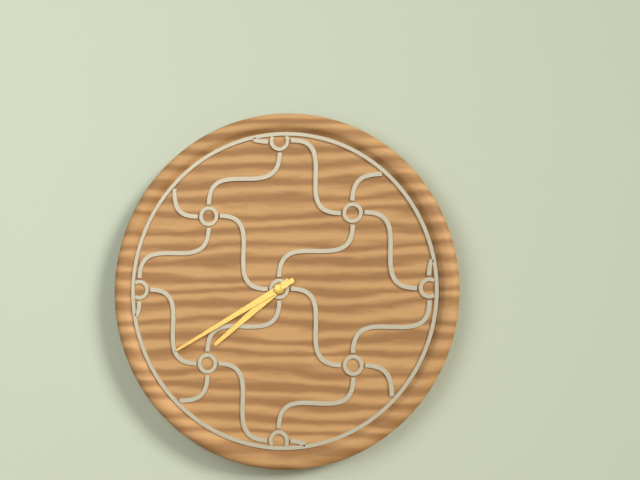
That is 7.40
